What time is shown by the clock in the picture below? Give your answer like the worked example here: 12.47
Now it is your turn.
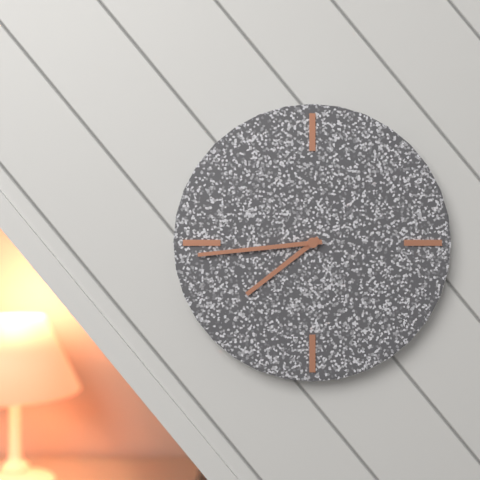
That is 7.44
